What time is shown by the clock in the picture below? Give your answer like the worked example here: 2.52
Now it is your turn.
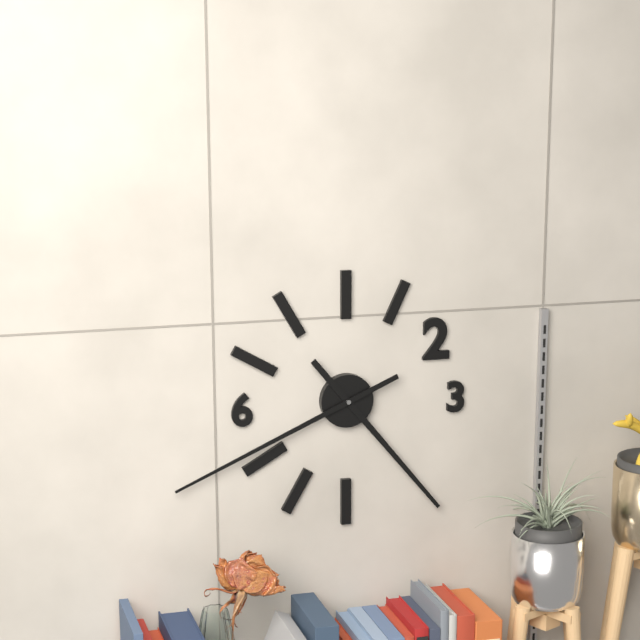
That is 4.41
